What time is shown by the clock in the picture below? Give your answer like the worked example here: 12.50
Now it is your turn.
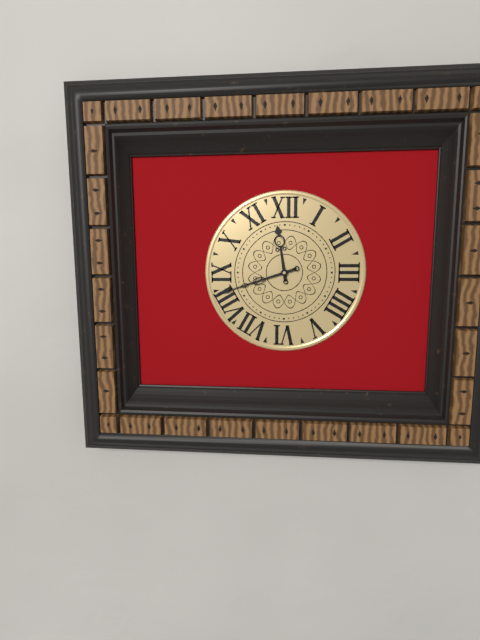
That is 11.42
